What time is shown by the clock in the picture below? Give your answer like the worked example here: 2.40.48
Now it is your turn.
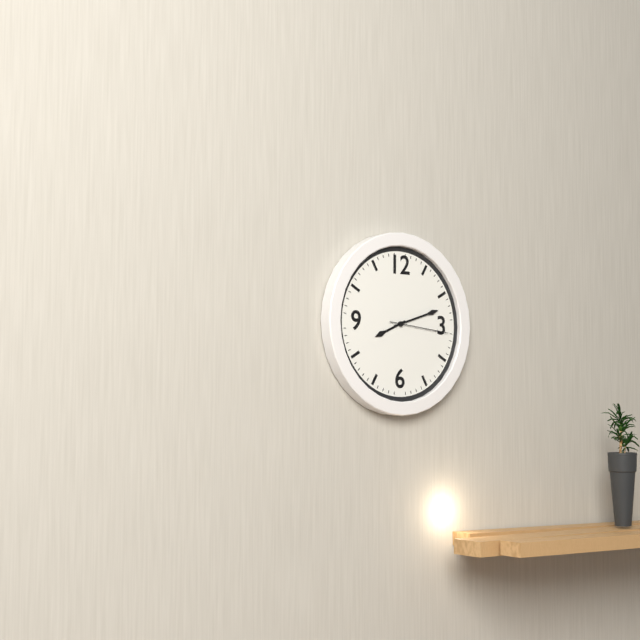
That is 8.12.16
